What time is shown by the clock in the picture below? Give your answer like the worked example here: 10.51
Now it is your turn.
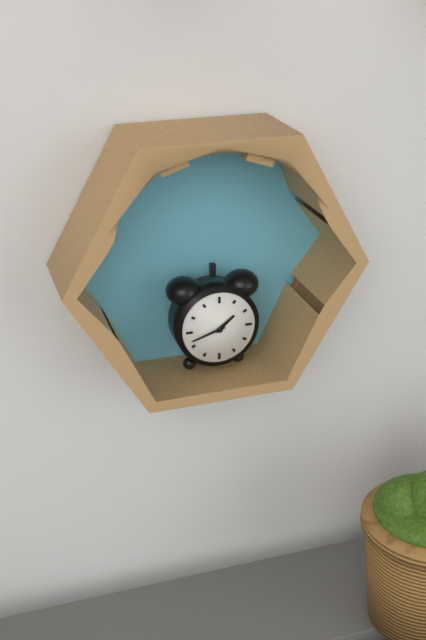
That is 1.42
